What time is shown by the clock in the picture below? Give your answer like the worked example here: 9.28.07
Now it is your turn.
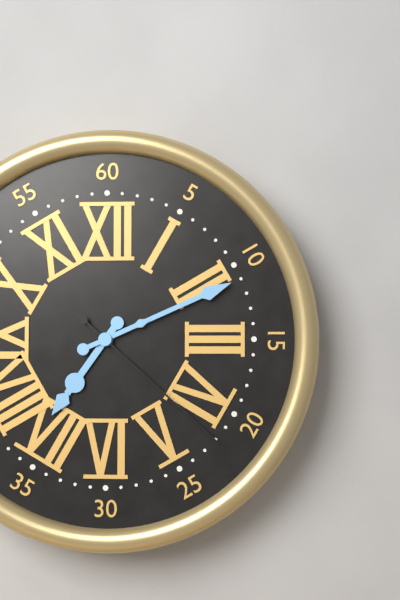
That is 7.11.22
